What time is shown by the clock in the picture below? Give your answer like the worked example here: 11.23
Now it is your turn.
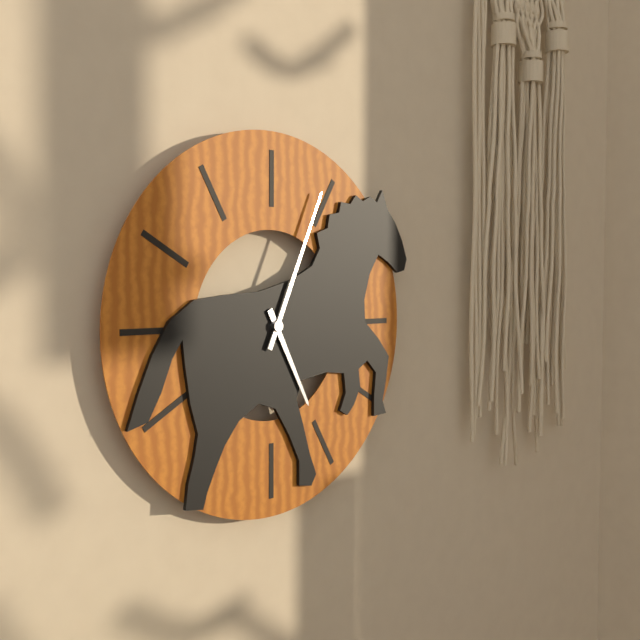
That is 5.04
